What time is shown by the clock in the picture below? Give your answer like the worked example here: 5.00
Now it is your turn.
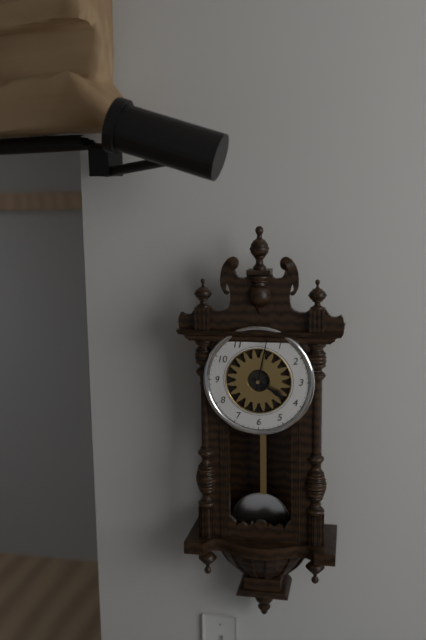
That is 4.02
